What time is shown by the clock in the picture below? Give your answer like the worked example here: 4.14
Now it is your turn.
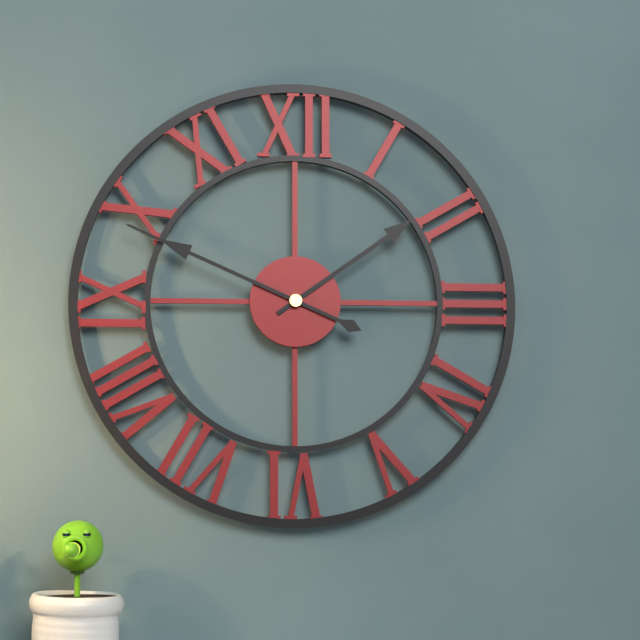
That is 1.49
